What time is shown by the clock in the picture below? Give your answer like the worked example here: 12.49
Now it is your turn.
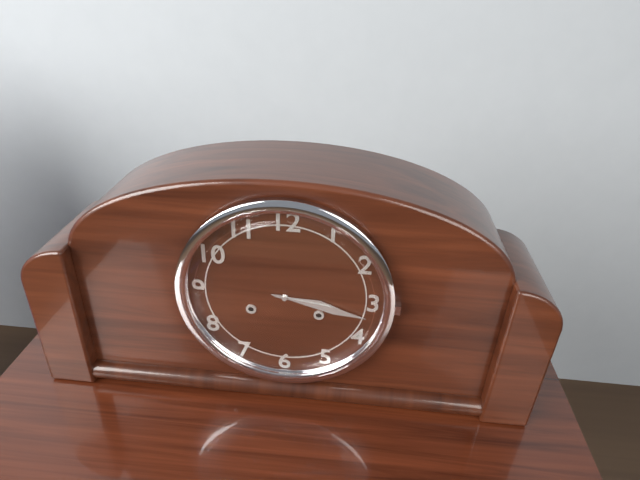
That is 3.17
